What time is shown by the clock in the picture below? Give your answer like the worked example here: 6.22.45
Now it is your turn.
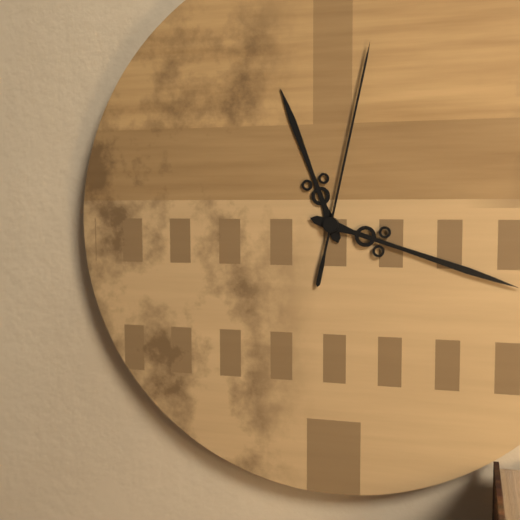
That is 11.18.02
